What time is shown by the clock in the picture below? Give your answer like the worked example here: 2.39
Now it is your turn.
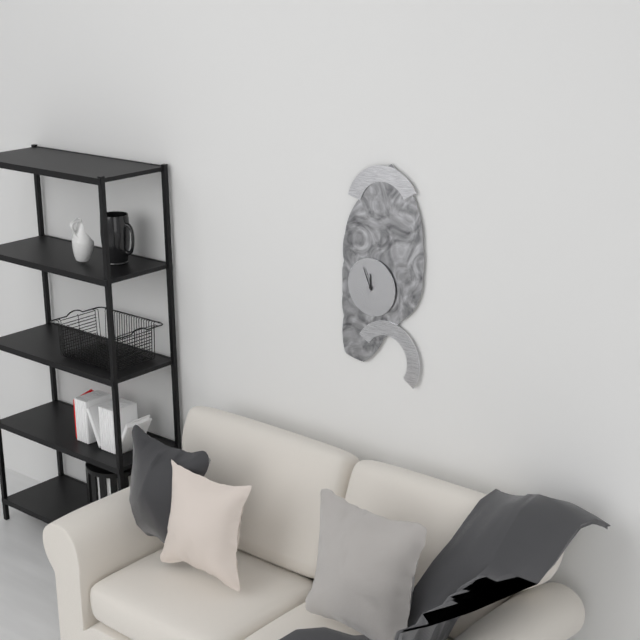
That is 11.56
